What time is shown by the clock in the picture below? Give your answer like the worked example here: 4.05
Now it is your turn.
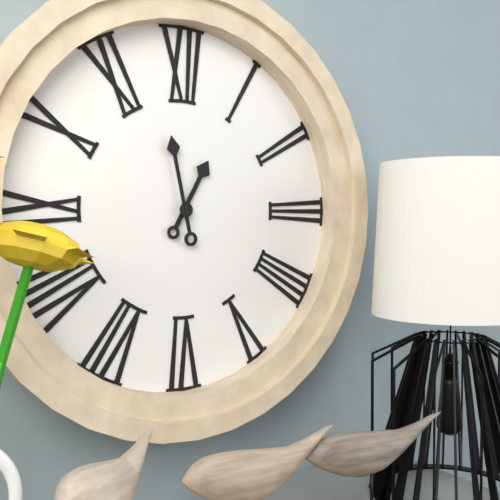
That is 12.58
